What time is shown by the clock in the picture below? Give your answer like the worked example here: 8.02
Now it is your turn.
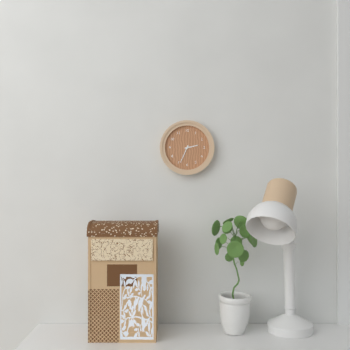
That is 2.34
